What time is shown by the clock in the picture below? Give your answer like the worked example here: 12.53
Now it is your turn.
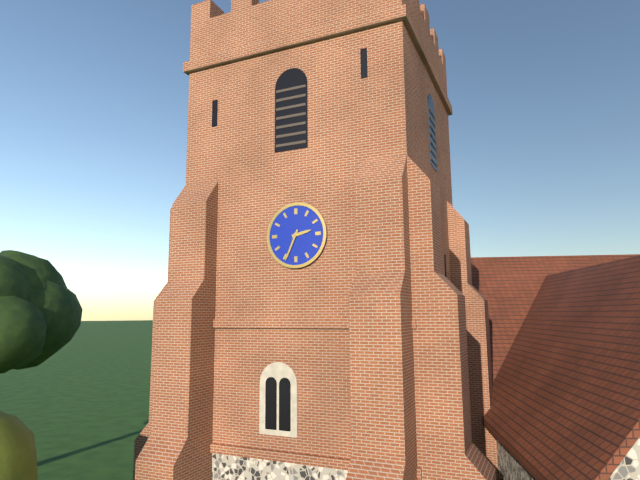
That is 2.34
